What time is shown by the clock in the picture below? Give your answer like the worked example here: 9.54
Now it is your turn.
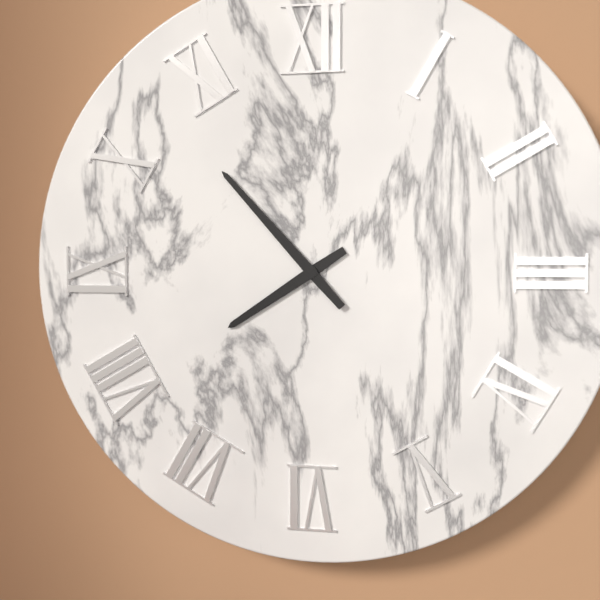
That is 7.53
